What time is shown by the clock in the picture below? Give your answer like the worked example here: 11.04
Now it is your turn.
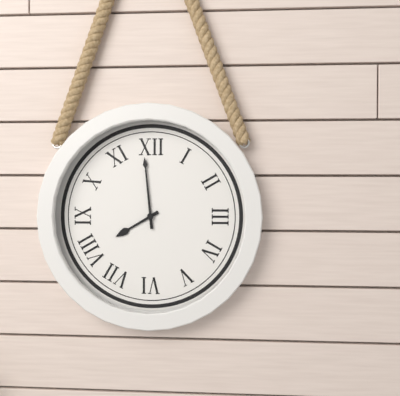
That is 7.59
